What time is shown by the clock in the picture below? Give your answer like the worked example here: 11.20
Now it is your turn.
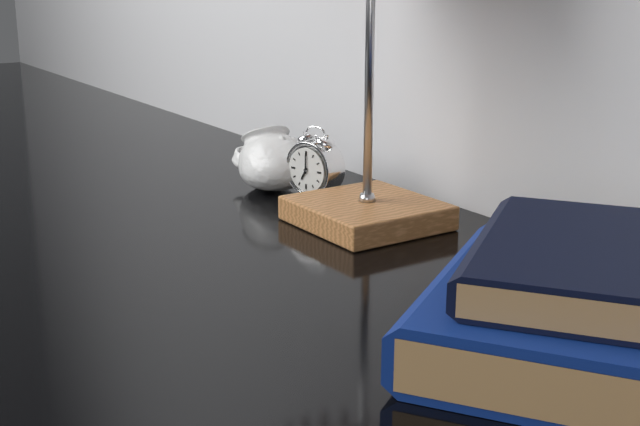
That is 7.00
